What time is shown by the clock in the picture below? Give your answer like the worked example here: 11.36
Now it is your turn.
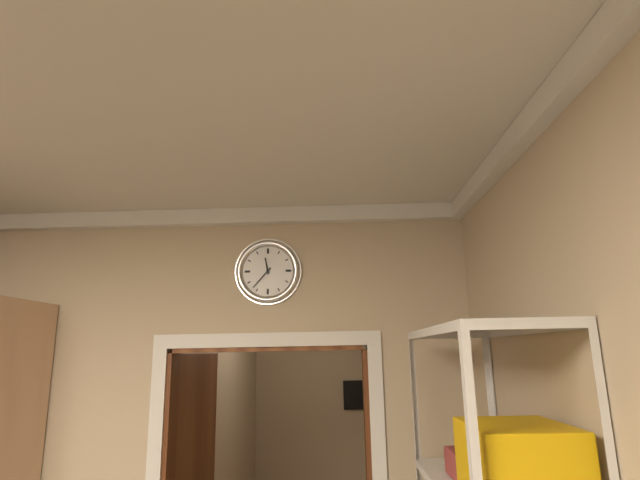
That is 11.37
